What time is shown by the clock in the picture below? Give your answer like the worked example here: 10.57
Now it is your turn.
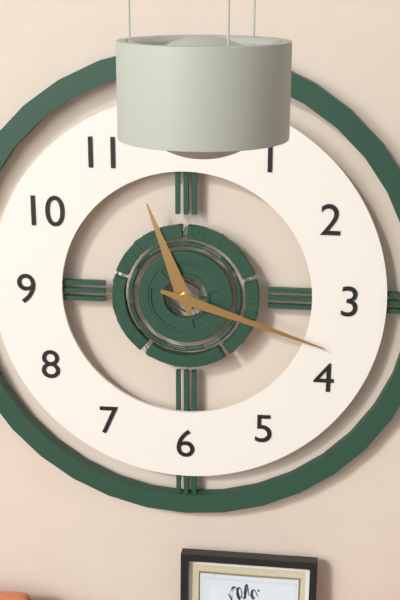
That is 11.18
